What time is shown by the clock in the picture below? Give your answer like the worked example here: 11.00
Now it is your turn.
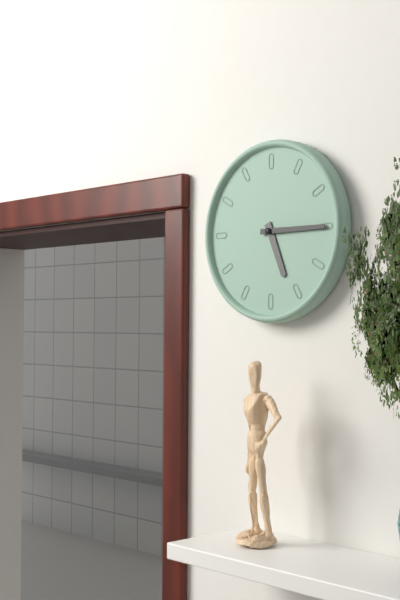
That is 5.15
